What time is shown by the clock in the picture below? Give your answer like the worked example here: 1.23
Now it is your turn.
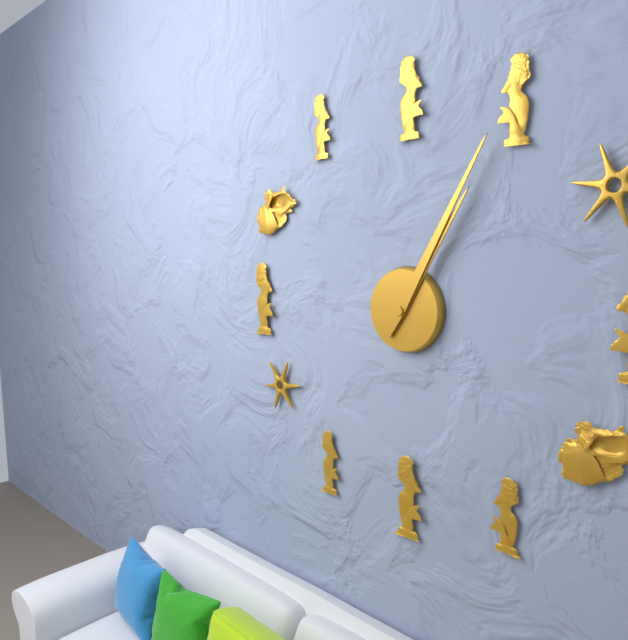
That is 1.05
